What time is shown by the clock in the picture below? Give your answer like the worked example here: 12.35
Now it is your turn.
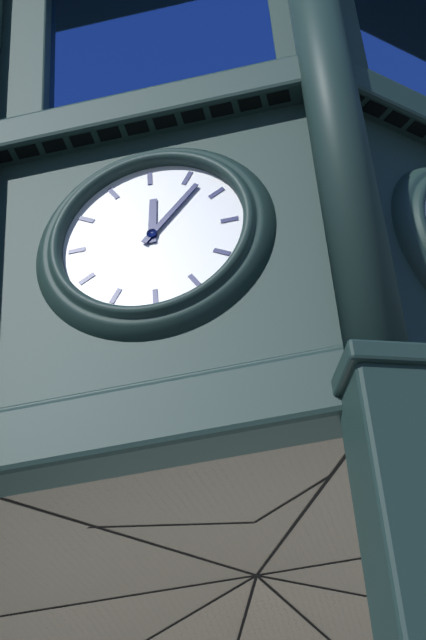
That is 12.07
